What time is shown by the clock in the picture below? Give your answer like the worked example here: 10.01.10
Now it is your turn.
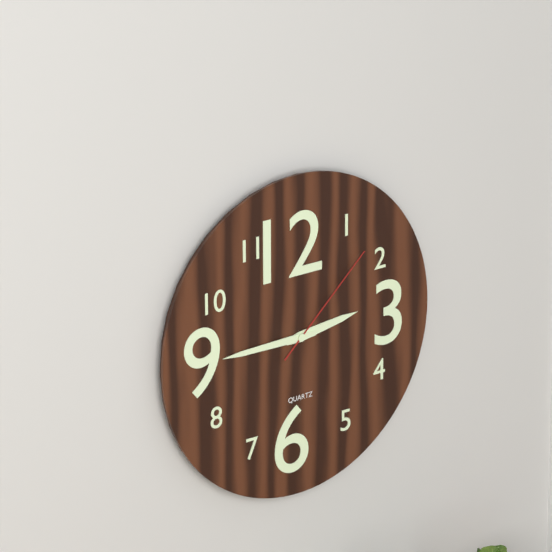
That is 2.45.08
